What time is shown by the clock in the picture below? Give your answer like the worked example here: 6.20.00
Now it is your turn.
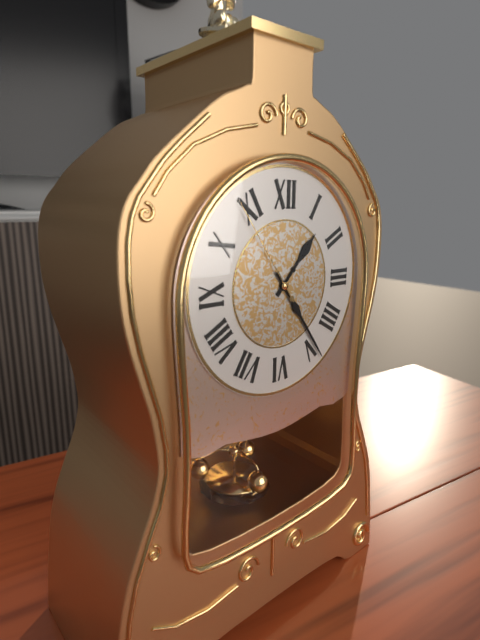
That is 1.24.54
